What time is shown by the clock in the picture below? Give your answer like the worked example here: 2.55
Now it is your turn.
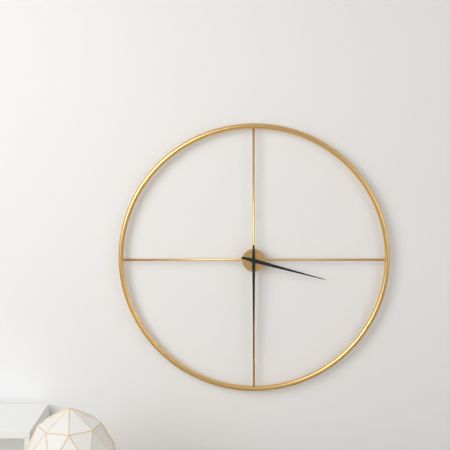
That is 3.30
